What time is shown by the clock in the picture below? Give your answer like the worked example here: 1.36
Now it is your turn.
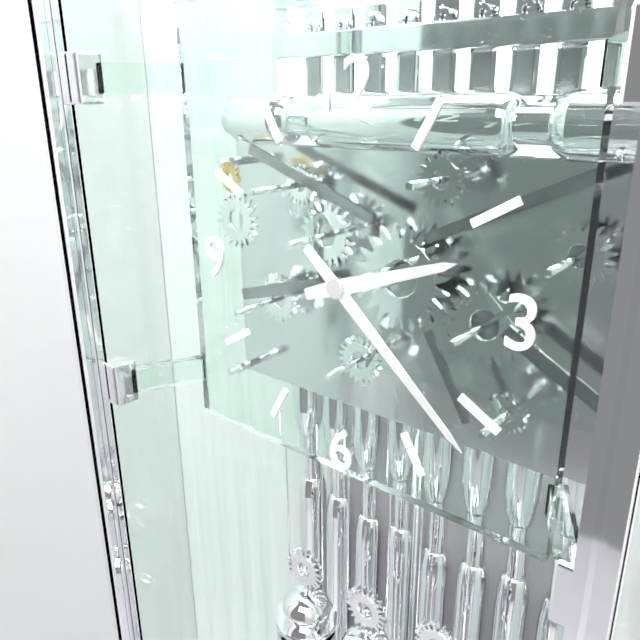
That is 2.22
